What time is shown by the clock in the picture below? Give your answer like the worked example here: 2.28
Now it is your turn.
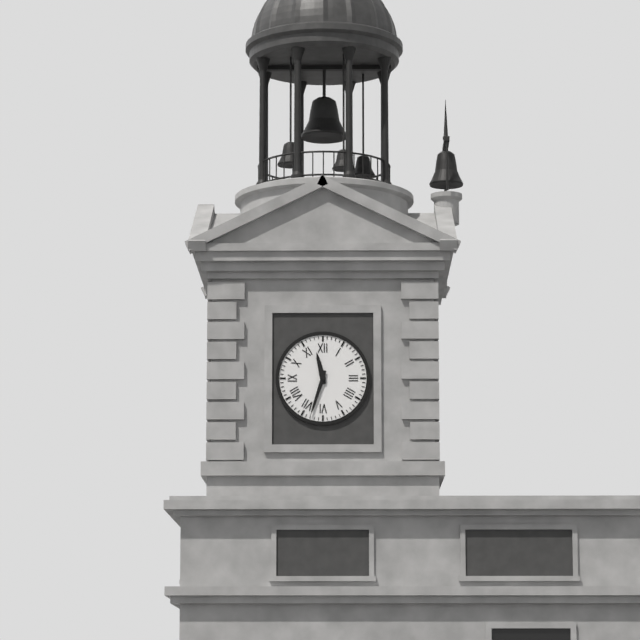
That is 11.33
